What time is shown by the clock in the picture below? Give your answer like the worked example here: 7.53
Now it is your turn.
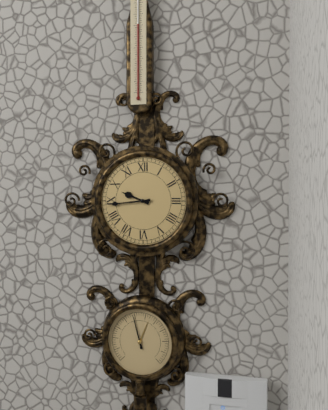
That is 9.44
